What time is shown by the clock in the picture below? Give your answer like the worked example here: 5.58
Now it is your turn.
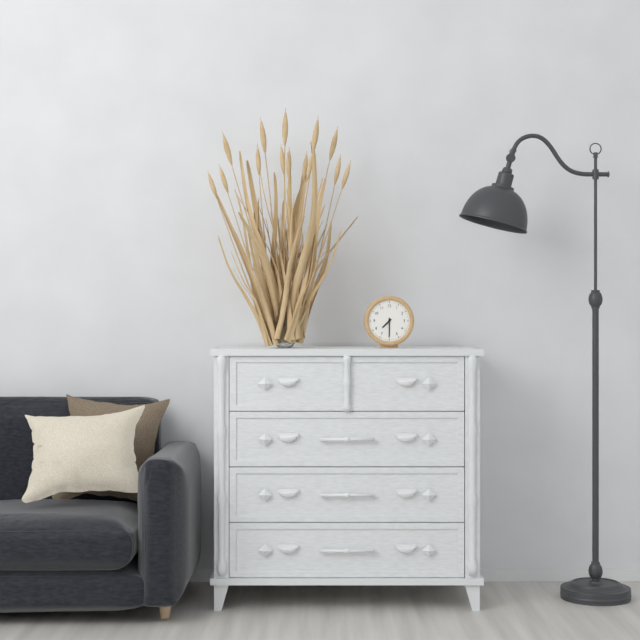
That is 7.30
